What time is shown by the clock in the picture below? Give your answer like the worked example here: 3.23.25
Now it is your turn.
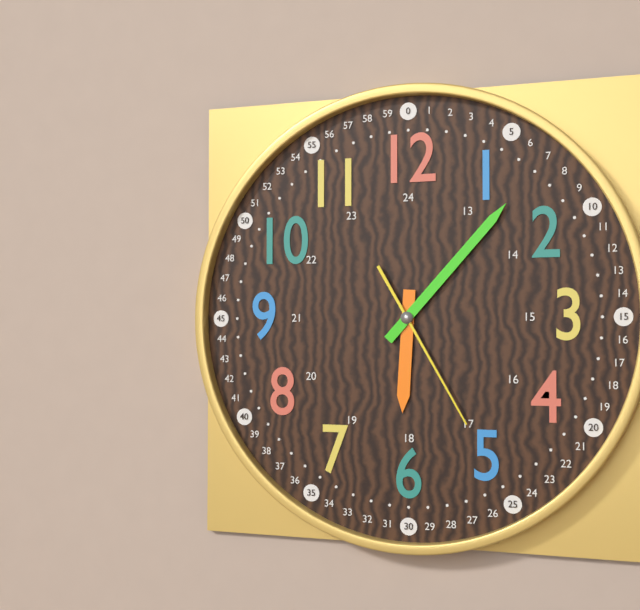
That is 6.07.25
